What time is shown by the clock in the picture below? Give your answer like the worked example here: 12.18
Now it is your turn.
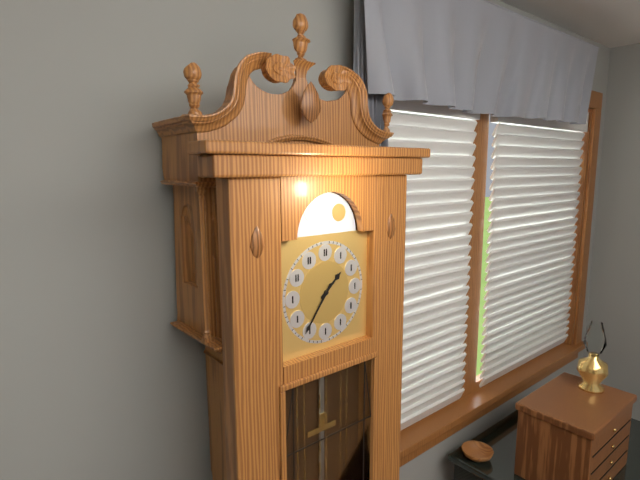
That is 1.36
